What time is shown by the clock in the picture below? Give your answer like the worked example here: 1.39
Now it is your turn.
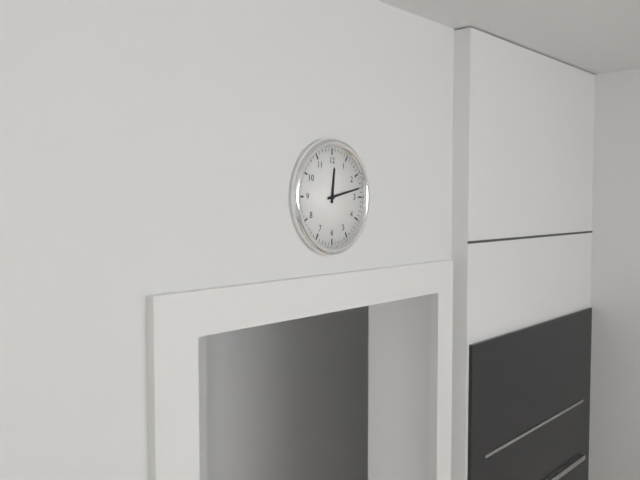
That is 12.13
